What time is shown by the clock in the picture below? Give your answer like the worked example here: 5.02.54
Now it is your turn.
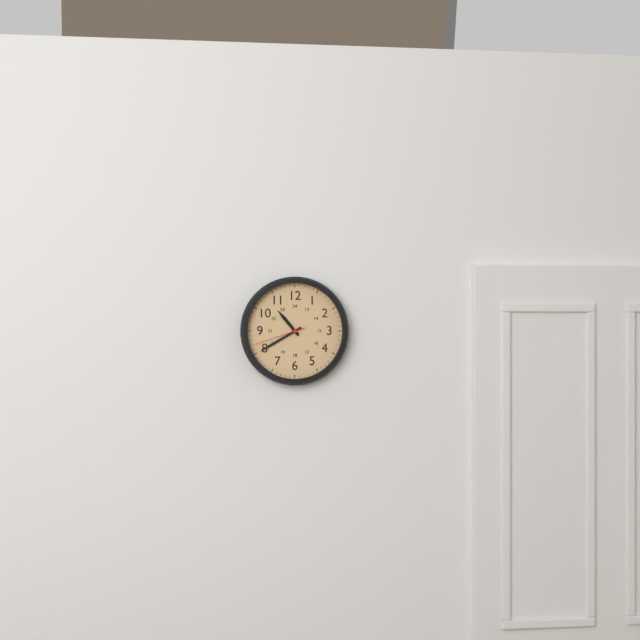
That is 10.40.42
